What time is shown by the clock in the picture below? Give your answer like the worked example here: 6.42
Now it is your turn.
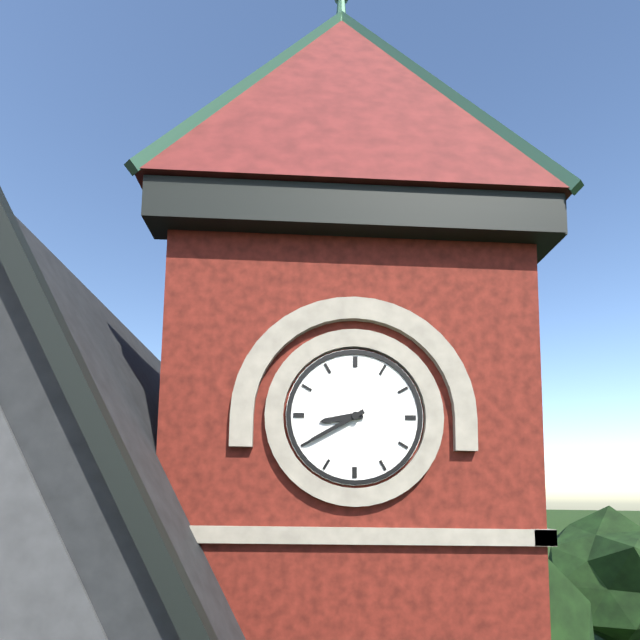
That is 8.40
